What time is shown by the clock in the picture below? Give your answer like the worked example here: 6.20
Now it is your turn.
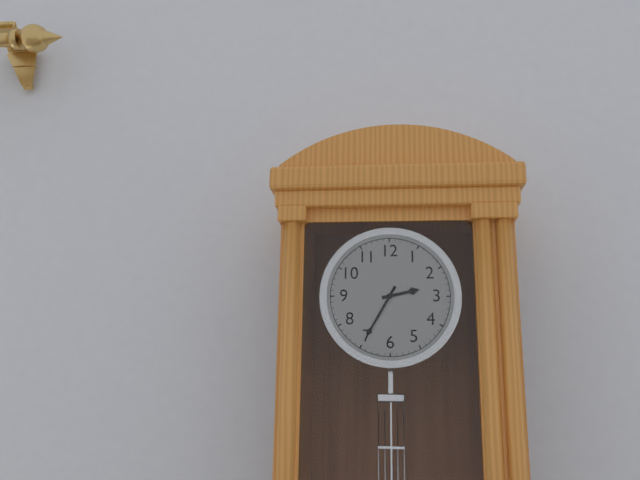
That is 2.35
